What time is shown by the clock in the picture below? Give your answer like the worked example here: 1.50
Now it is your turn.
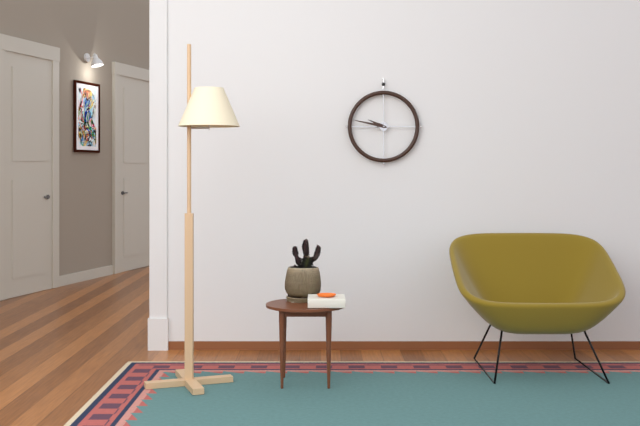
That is 9.47
